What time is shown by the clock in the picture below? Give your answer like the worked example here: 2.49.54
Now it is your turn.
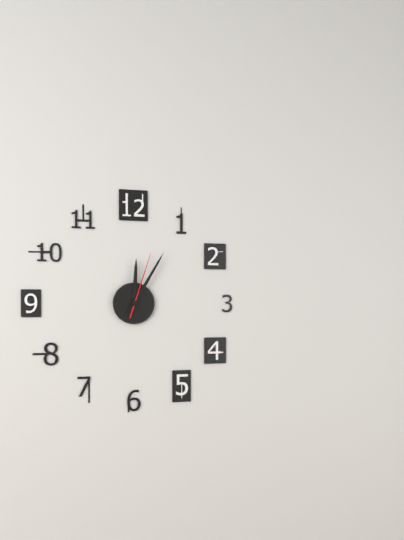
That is 12.05.03
